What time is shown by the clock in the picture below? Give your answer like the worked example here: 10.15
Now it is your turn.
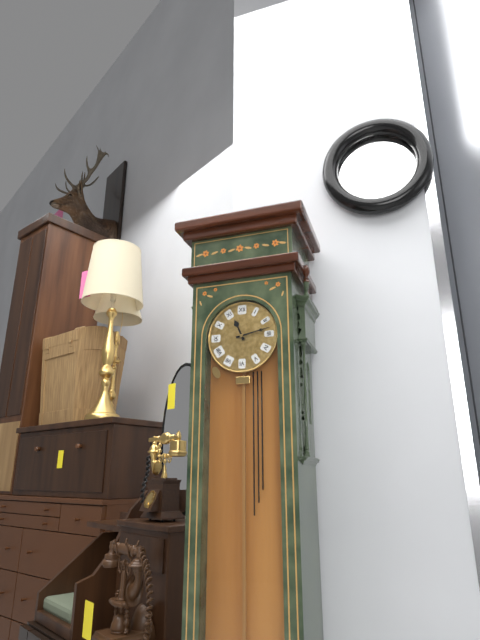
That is 11.13
